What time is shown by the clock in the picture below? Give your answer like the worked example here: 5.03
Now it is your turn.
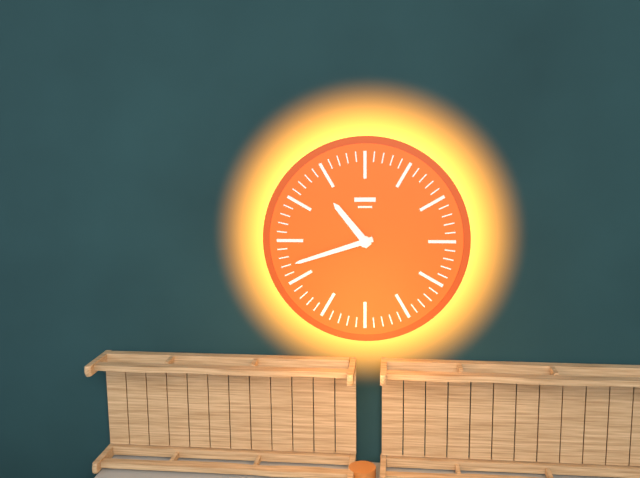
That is 10.42
